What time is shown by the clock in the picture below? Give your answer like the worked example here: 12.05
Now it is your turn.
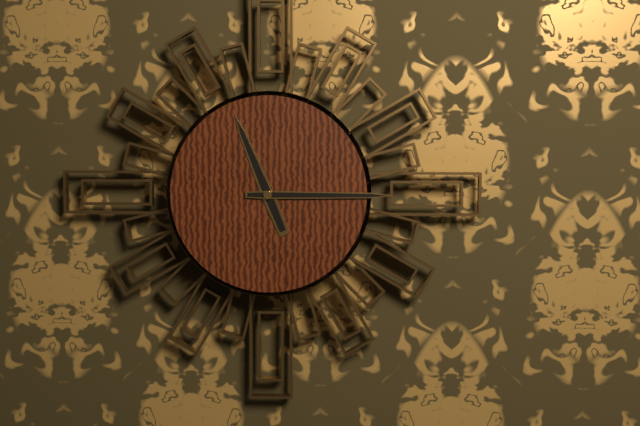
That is 11.15
